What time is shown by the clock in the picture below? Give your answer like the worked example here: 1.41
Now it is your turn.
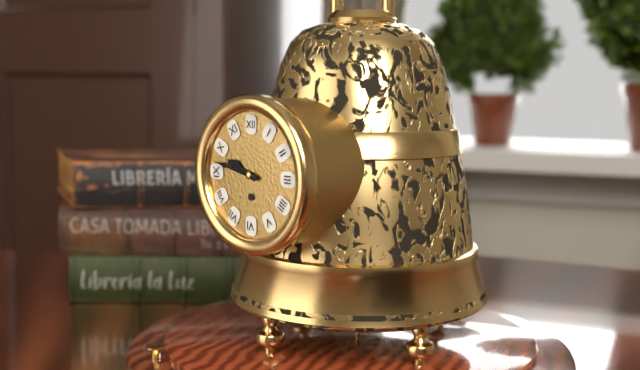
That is 9.47
